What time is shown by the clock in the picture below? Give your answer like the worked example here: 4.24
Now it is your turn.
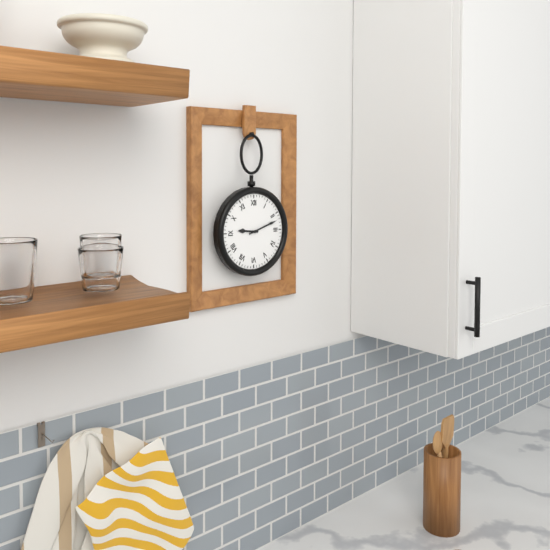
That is 9.12
